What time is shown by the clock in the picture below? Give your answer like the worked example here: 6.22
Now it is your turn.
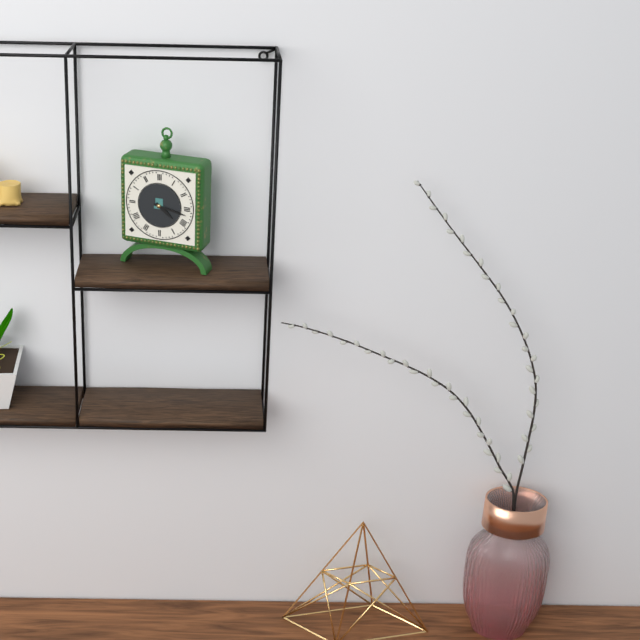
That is 4.17
